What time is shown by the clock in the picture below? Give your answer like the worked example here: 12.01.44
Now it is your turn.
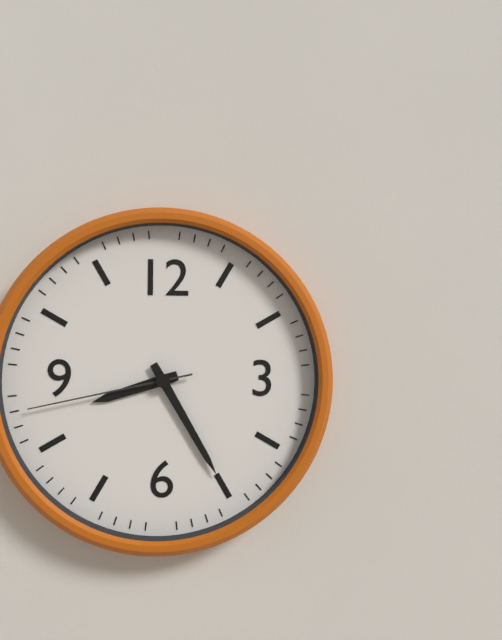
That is 8.25.43
